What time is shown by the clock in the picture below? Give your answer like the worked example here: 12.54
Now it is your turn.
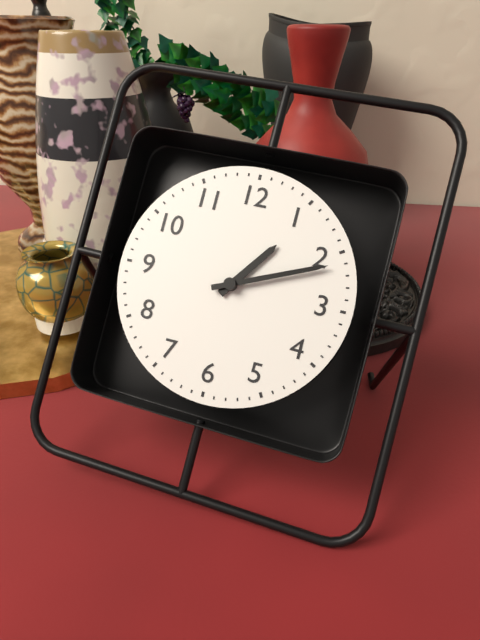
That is 1.11
